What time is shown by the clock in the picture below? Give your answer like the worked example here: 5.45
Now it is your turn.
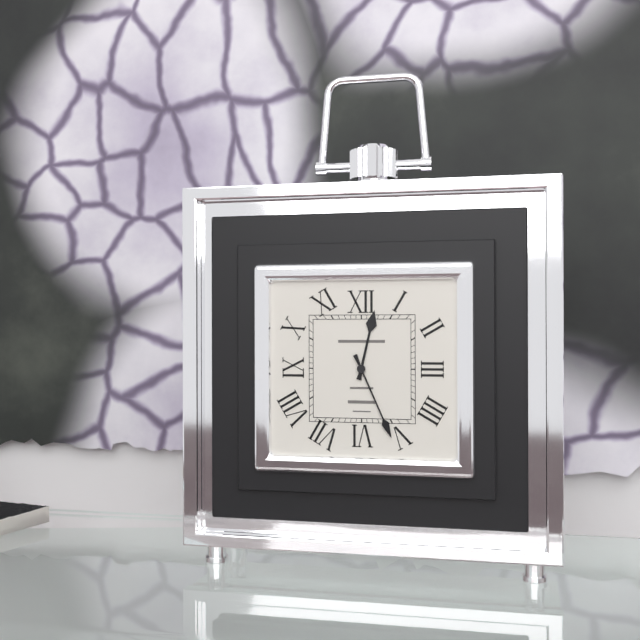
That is 12.26
